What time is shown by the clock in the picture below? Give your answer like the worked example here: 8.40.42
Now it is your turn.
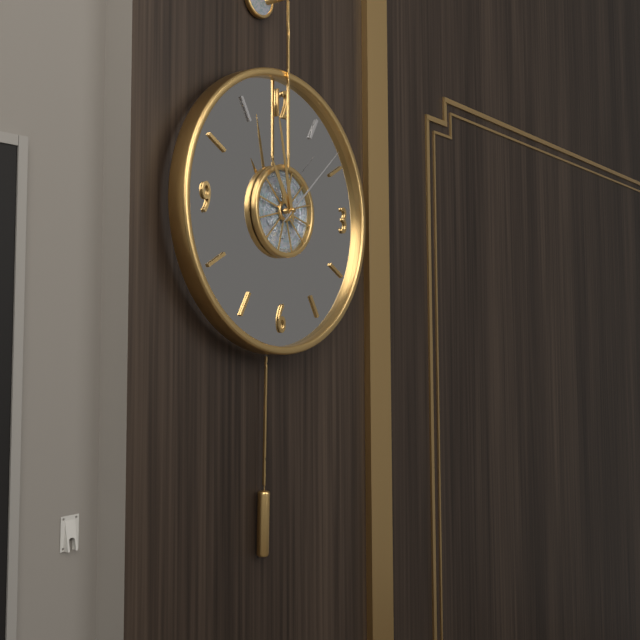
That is 10.58.08
